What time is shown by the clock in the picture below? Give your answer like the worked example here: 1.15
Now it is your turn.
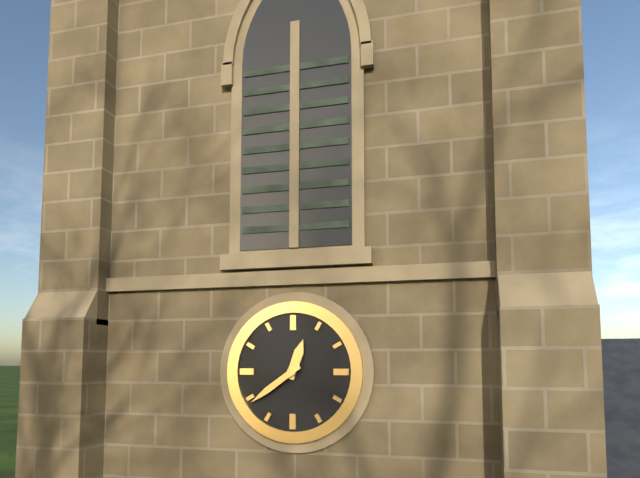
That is 12.39
